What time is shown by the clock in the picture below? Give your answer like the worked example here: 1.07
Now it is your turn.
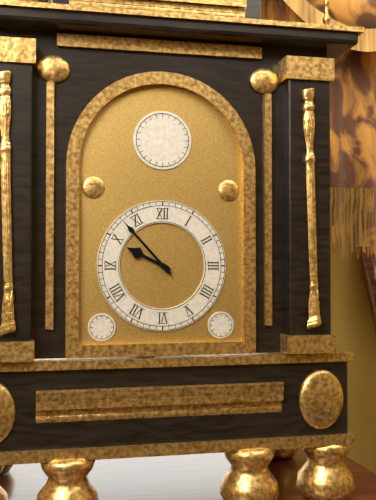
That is 9.53
